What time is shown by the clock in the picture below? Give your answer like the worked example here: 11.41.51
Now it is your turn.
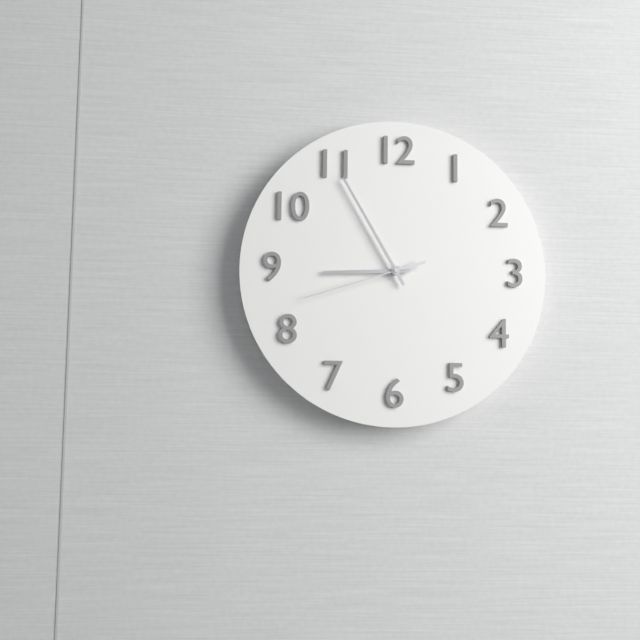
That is 8.55.42
